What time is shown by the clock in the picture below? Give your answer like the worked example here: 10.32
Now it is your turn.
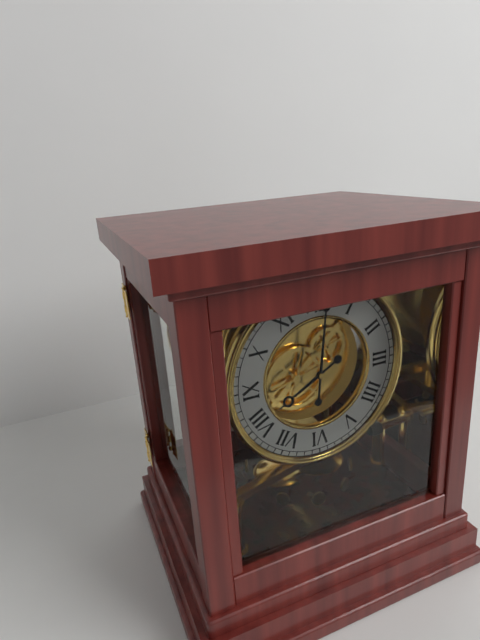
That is 8.01
